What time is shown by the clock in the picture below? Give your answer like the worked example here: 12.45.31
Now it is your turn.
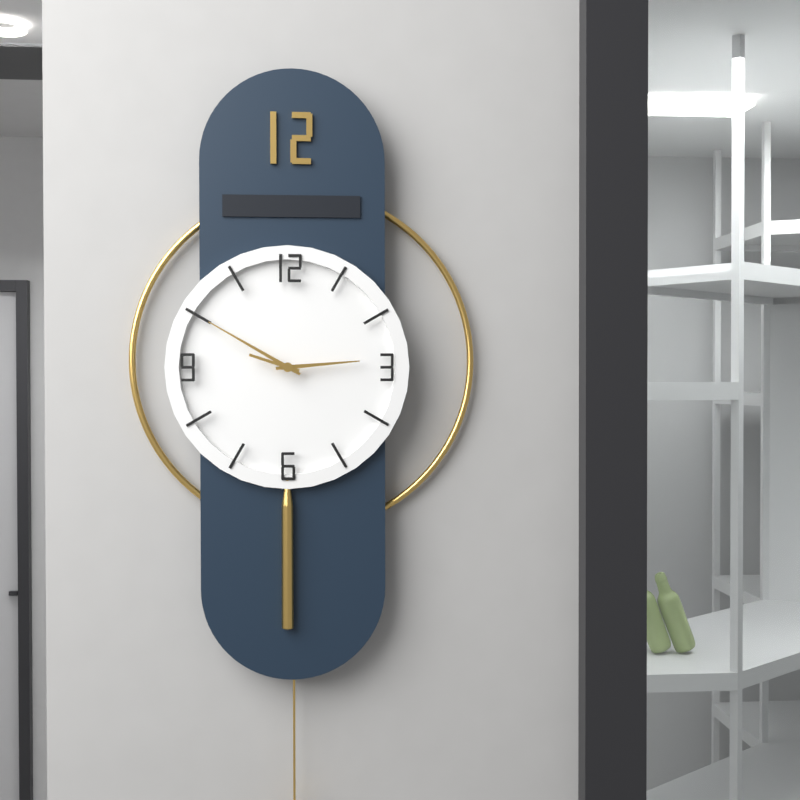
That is 2.50.48
